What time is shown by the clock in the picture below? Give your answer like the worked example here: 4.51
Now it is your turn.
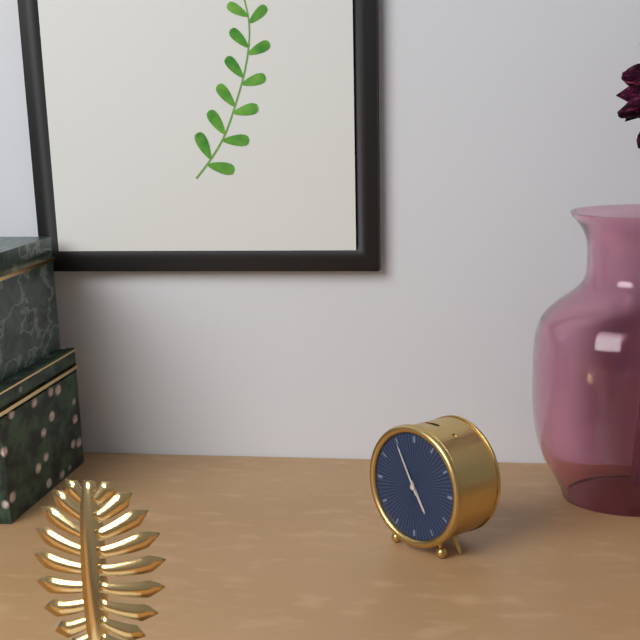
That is 4.55
